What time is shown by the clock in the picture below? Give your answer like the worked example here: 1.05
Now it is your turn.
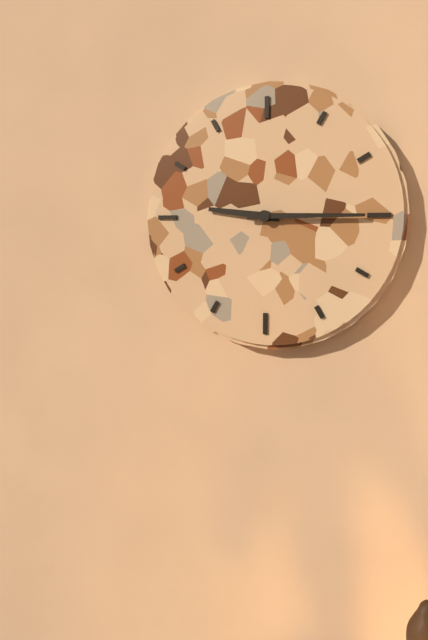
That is 9.15
